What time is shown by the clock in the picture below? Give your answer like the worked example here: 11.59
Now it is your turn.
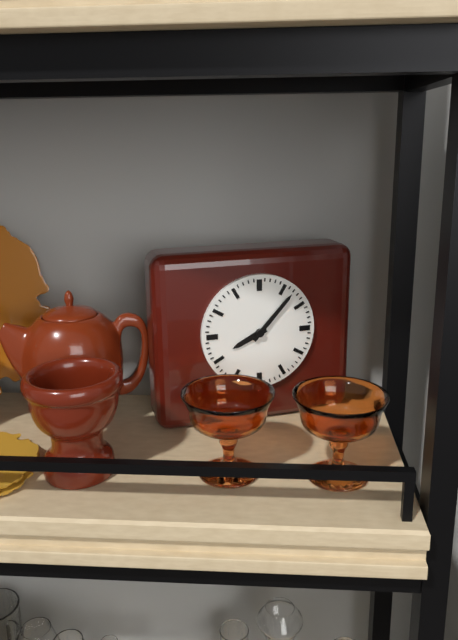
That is 8.07
